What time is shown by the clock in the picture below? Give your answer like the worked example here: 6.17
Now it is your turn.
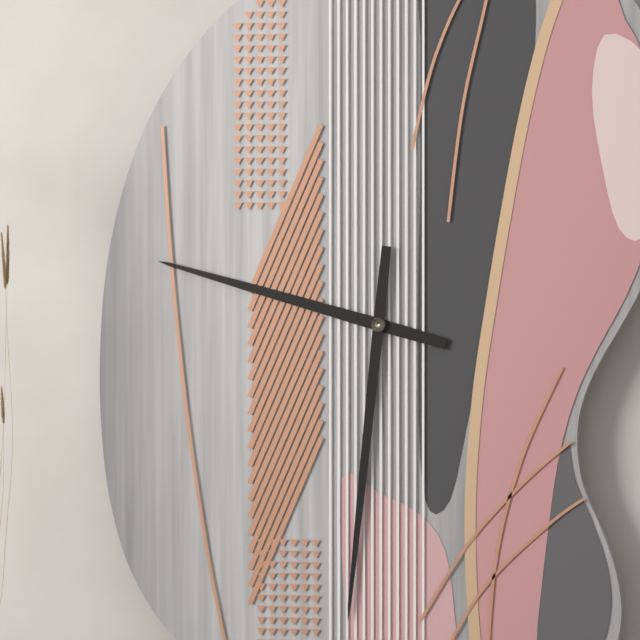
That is 9.31
